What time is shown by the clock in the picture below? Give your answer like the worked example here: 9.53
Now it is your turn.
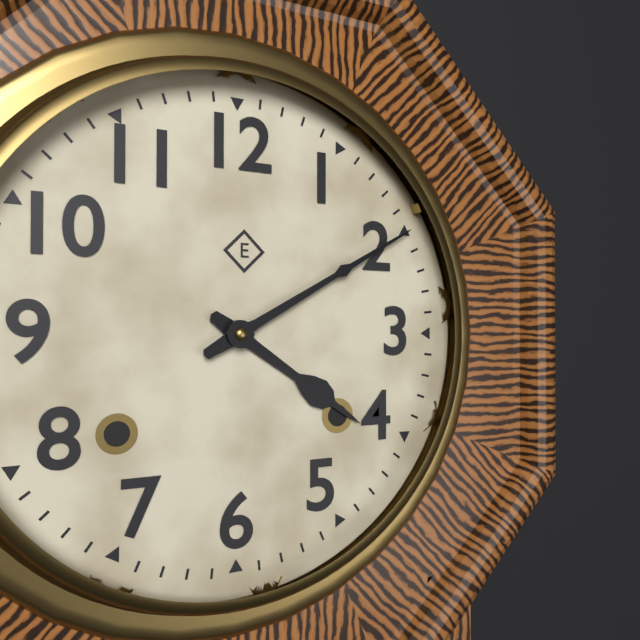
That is 4.10
